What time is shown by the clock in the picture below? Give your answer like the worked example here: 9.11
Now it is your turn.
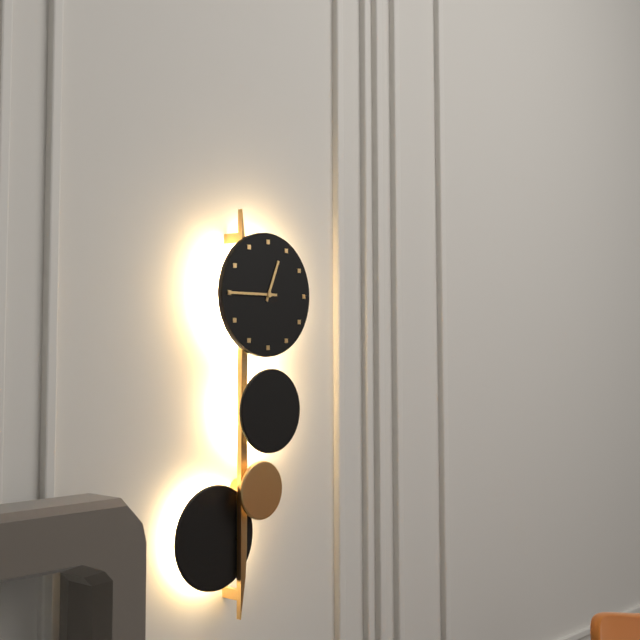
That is 12.45
